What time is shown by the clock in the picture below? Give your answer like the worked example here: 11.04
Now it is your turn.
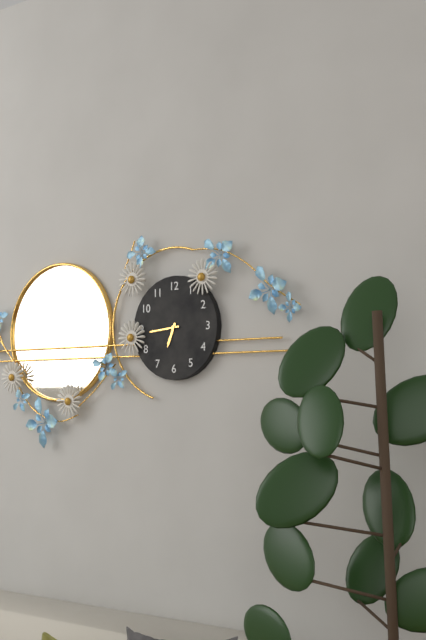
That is 6.44
